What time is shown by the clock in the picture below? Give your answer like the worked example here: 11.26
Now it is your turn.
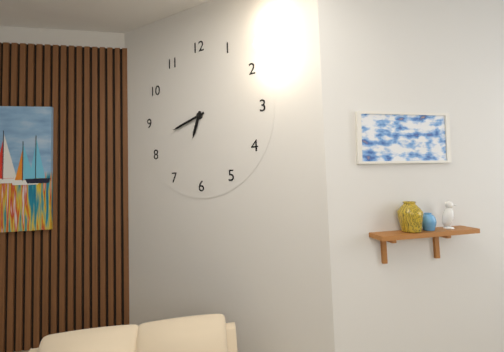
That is 6.42
